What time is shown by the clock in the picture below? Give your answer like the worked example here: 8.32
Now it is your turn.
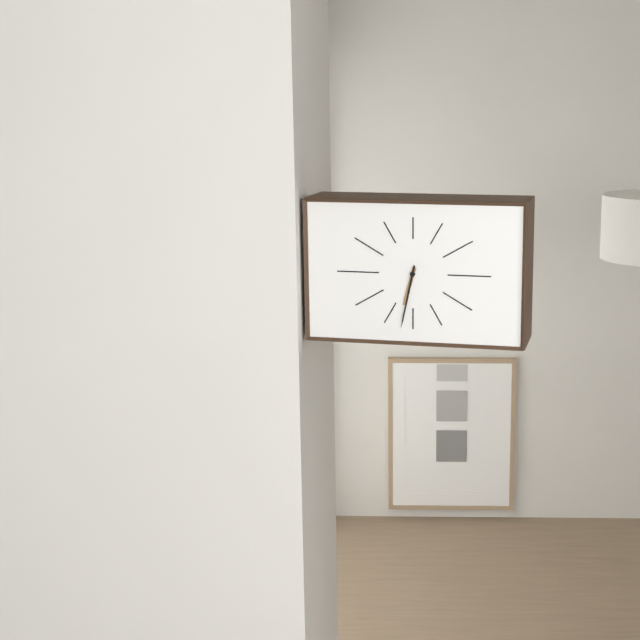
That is 6.32
